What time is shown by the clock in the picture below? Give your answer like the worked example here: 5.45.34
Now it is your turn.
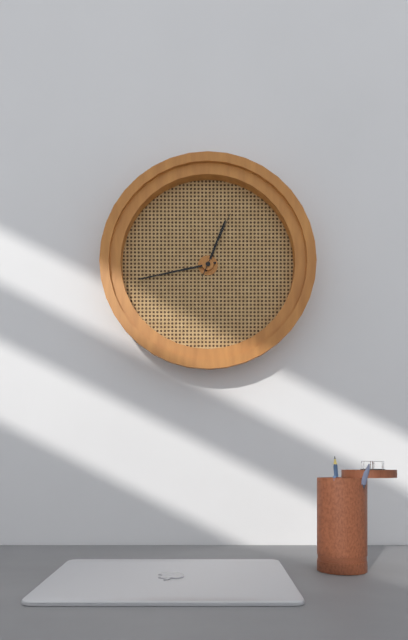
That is 12.43.04
